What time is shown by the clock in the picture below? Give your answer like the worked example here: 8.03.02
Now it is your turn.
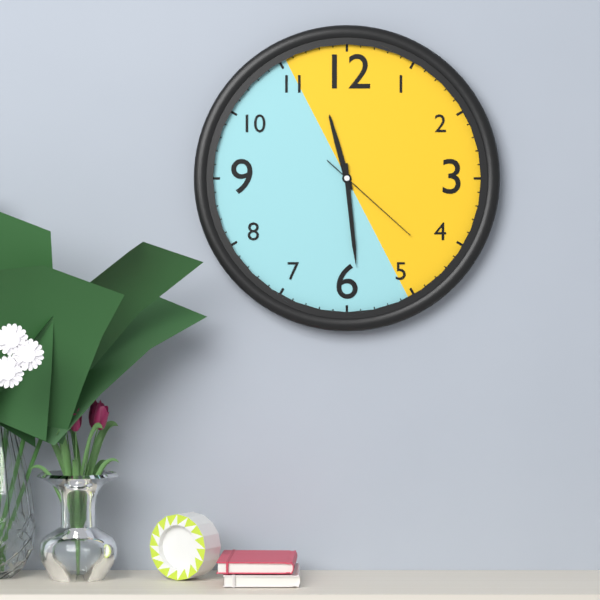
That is 11.29.22
